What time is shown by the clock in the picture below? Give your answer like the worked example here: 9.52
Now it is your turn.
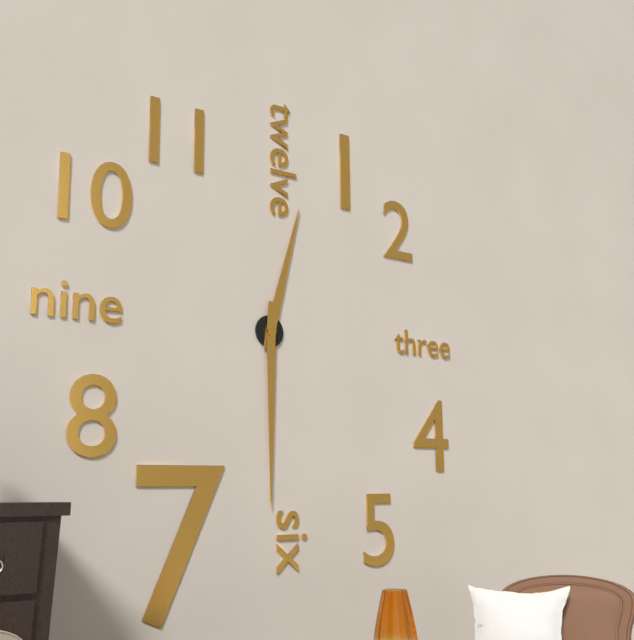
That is 12.30
